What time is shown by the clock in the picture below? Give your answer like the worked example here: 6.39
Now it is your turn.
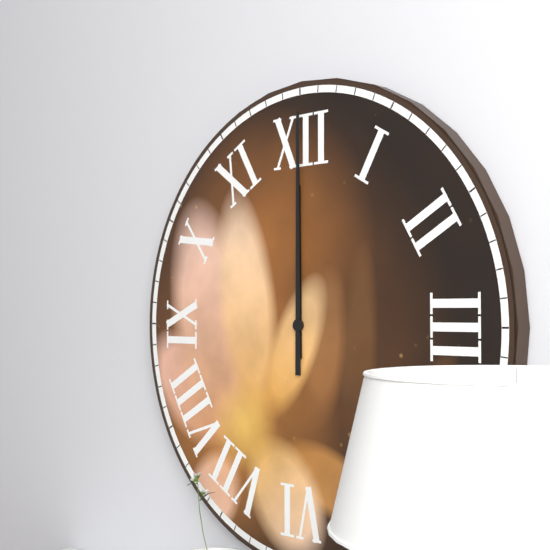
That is 12.00
